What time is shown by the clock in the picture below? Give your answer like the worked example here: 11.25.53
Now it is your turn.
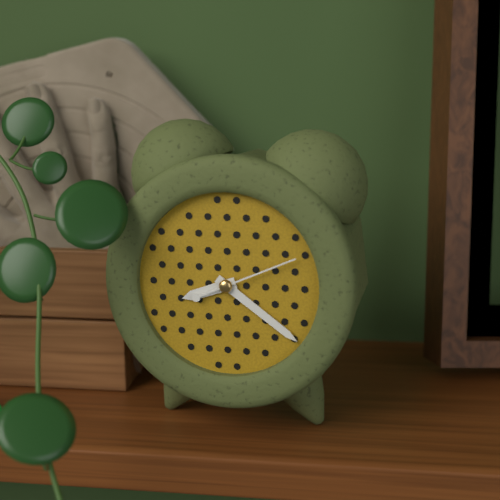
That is 8.21.11
